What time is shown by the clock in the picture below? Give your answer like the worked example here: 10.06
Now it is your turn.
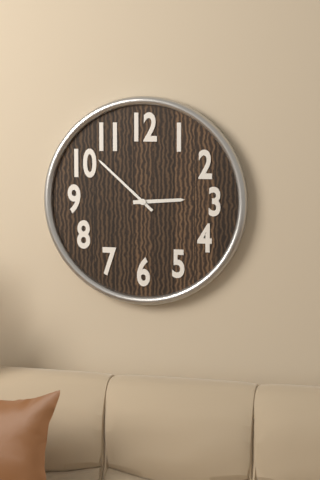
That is 2.52
